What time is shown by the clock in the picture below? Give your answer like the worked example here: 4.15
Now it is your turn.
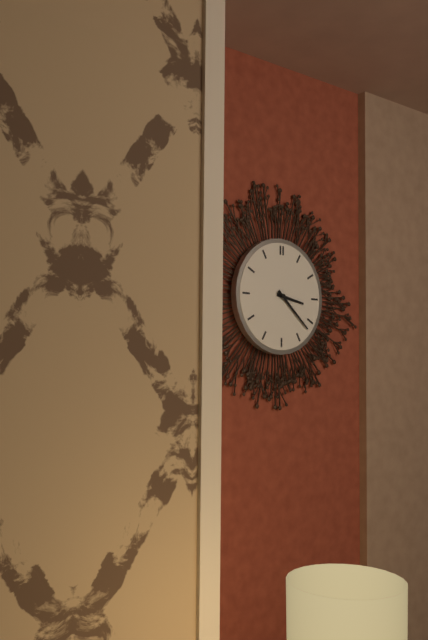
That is 3.22
